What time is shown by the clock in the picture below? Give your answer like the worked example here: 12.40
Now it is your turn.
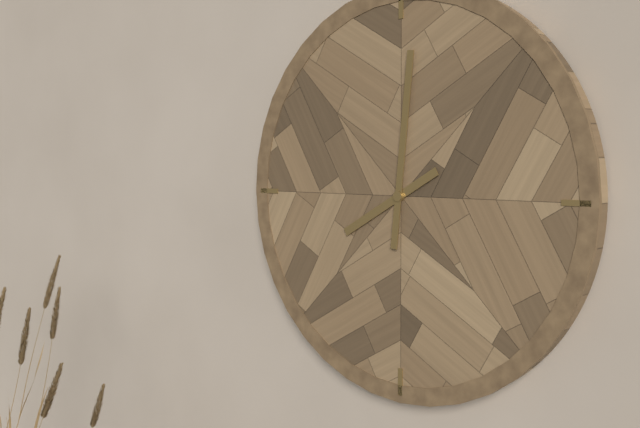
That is 8.01
